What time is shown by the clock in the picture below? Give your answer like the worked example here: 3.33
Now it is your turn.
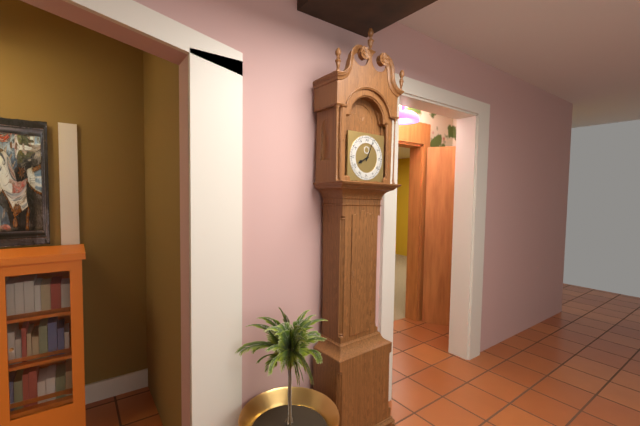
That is 8.04
